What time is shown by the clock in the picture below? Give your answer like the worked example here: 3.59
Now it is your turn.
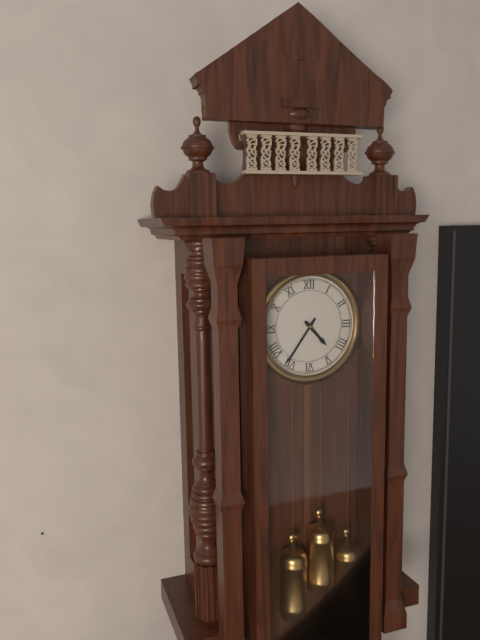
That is 4.36
